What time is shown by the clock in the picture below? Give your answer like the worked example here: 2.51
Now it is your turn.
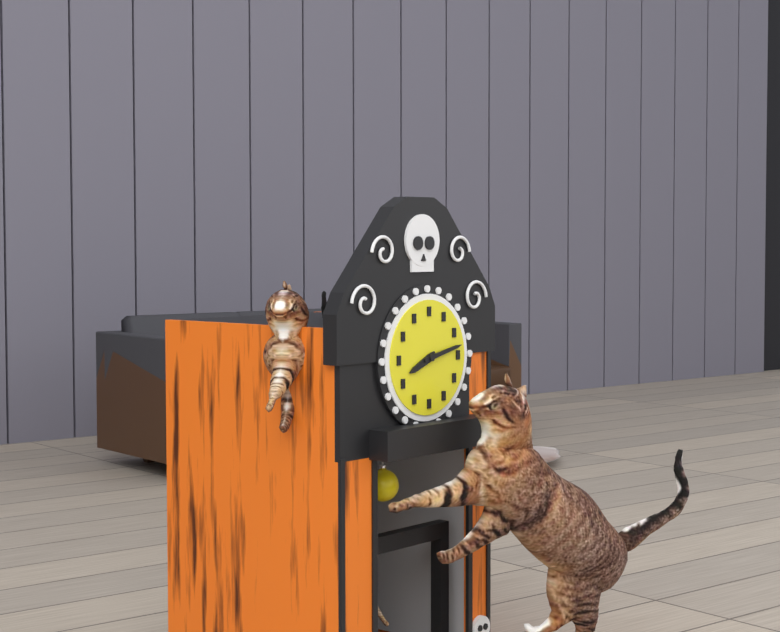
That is 8.13
